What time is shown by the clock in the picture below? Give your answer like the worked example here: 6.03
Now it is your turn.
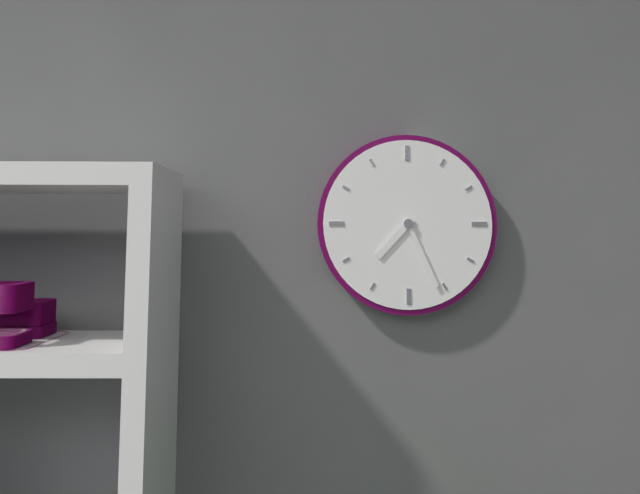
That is 7.26
